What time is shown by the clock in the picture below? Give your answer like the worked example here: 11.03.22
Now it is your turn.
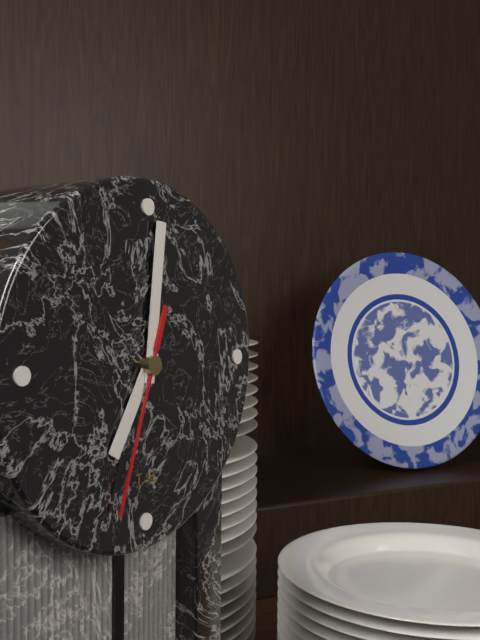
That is 7.01.33
